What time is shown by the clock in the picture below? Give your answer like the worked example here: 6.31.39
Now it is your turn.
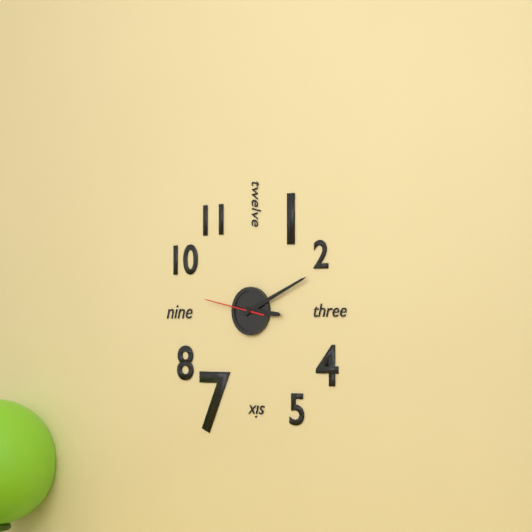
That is 3.11.47
